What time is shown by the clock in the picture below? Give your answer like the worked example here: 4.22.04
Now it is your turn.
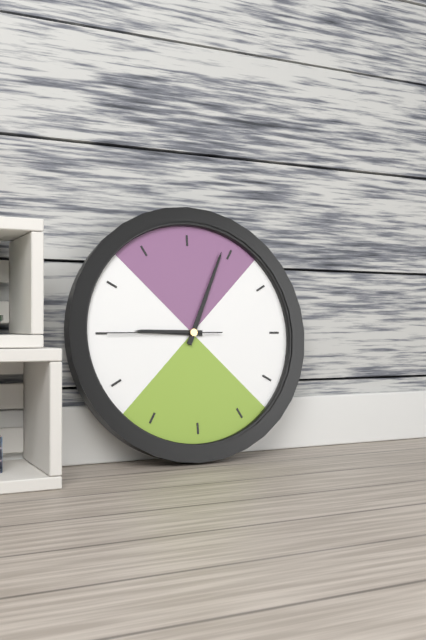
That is 9.04.45
